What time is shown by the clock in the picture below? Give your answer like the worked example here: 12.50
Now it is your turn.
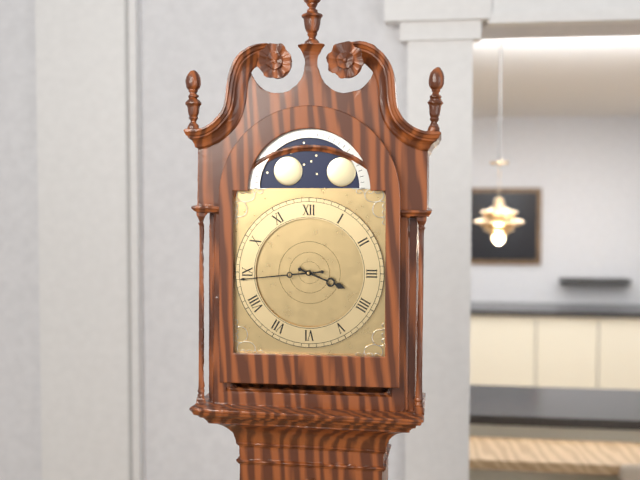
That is 3.44
